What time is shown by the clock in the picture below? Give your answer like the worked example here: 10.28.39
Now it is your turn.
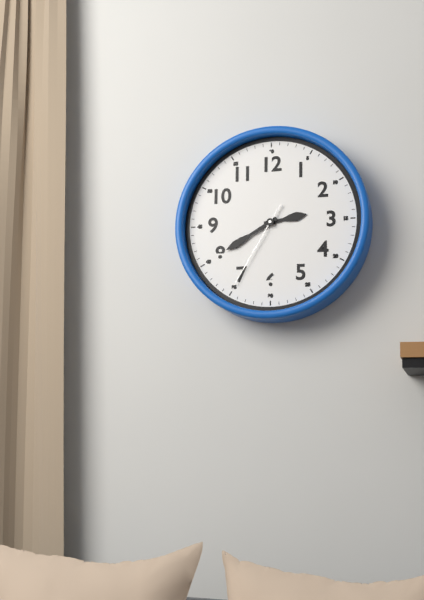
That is 2.40.35
